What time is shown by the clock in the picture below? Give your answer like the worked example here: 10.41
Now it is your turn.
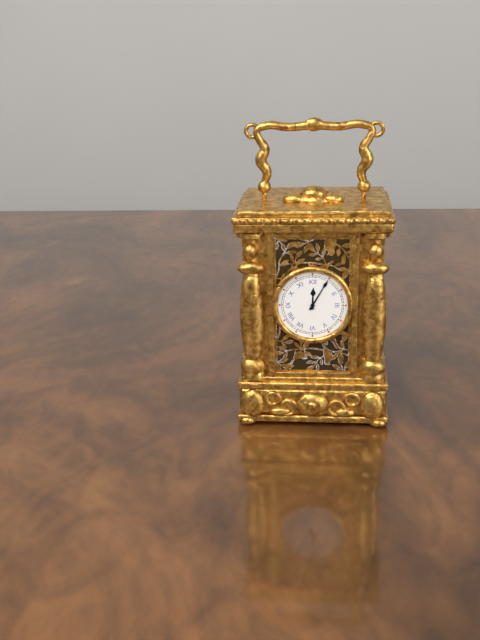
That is 12.05
